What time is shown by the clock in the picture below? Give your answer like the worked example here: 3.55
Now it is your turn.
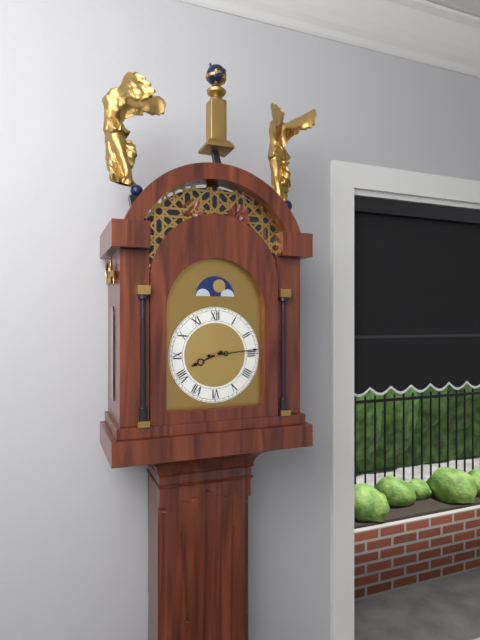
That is 8.14
